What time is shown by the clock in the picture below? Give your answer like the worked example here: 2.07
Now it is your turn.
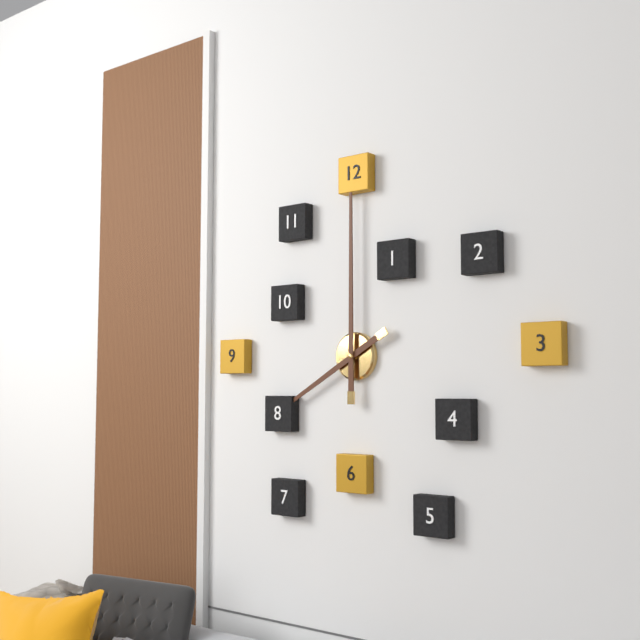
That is 8.00
